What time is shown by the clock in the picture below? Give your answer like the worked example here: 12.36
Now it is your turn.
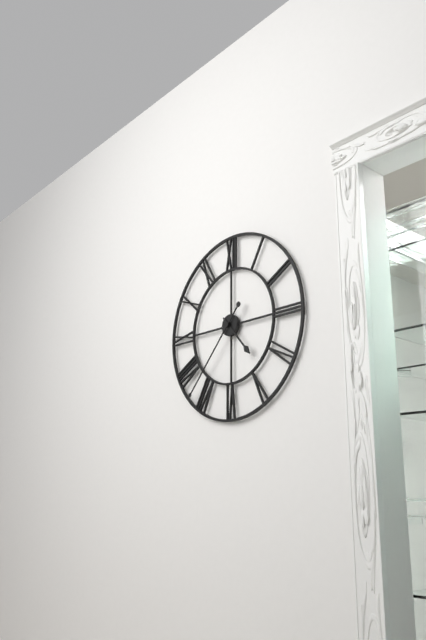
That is 4.37
